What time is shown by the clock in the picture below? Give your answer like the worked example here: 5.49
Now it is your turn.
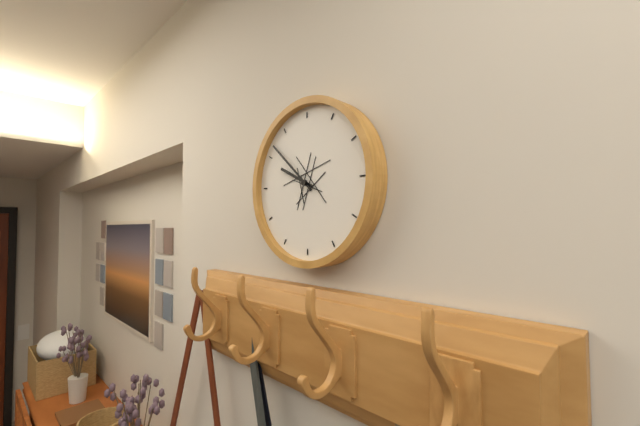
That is 9.52
